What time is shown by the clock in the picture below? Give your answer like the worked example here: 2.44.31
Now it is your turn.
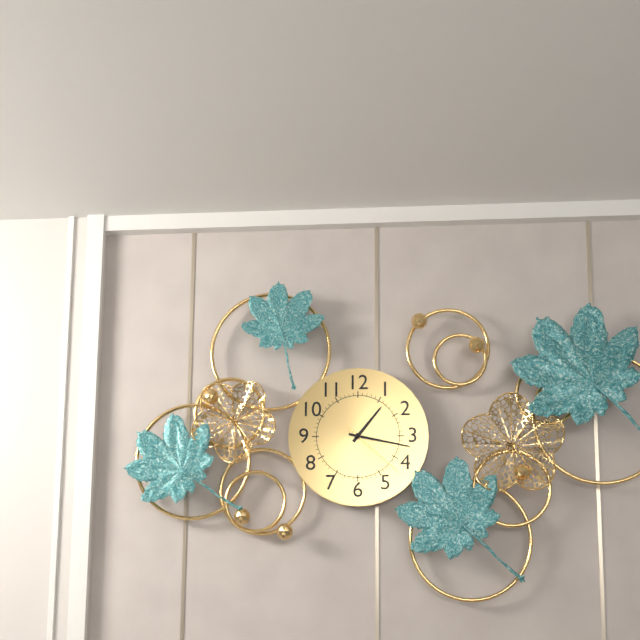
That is 1.17.22
